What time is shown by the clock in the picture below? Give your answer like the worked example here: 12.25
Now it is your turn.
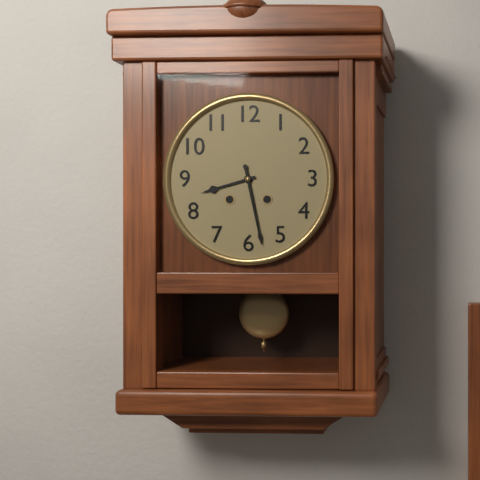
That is 8.28
